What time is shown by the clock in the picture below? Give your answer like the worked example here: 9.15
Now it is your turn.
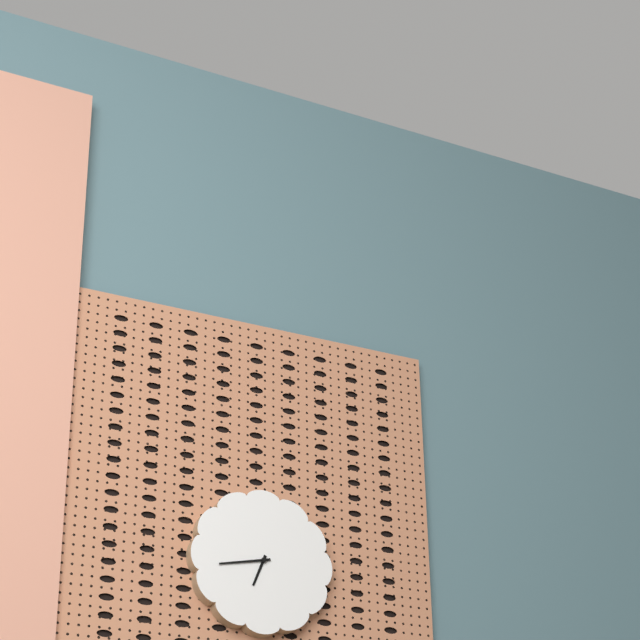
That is 6.43
